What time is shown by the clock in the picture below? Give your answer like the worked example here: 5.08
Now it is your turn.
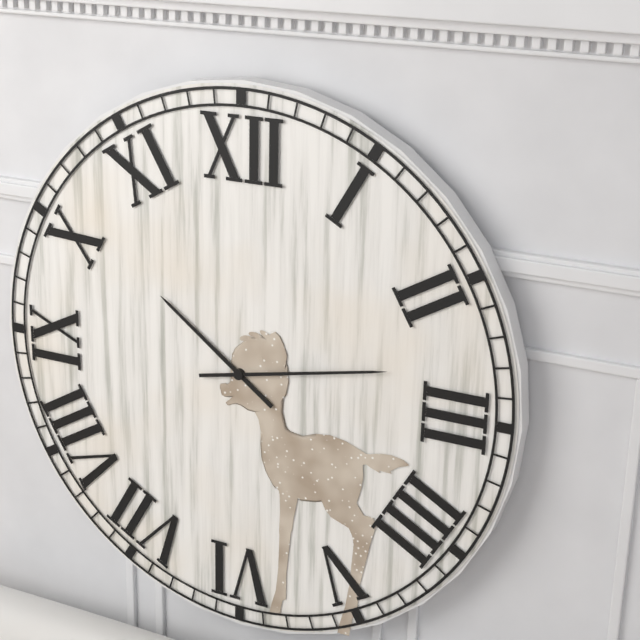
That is 10.13
